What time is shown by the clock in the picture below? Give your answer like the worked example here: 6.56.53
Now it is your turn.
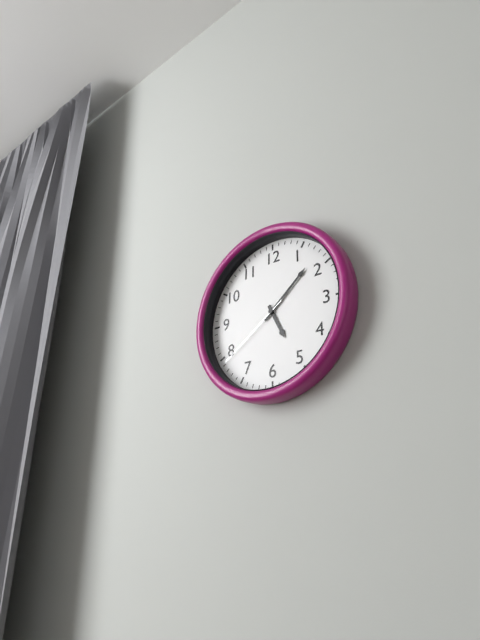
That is 5.08.39
